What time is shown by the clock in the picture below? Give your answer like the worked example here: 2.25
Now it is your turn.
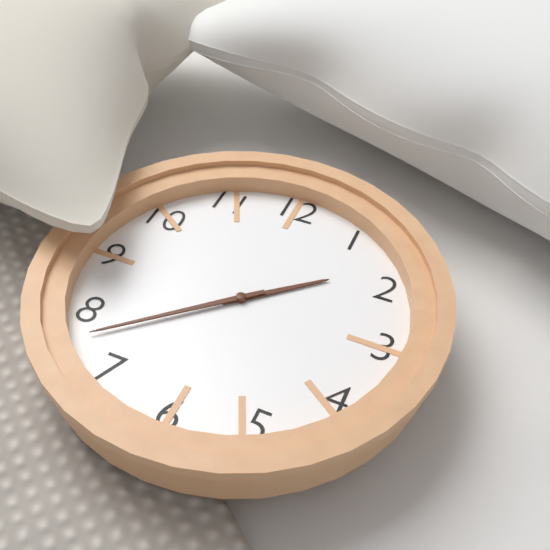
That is 1.38
